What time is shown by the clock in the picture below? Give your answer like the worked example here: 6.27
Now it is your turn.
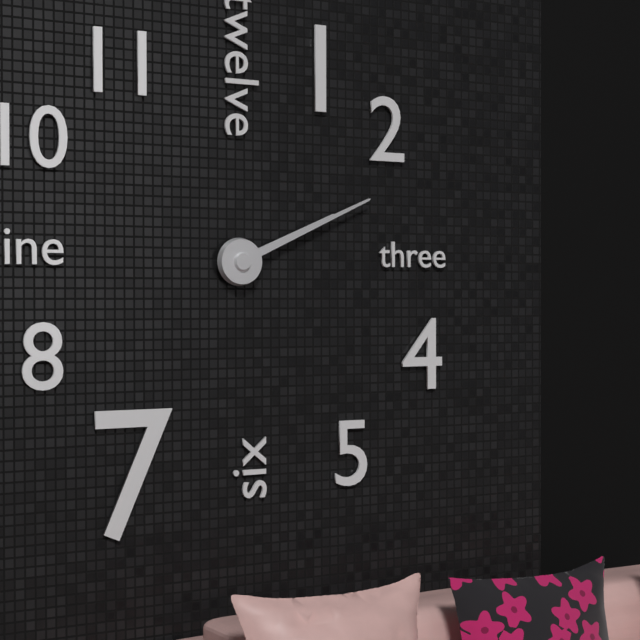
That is 2.11
